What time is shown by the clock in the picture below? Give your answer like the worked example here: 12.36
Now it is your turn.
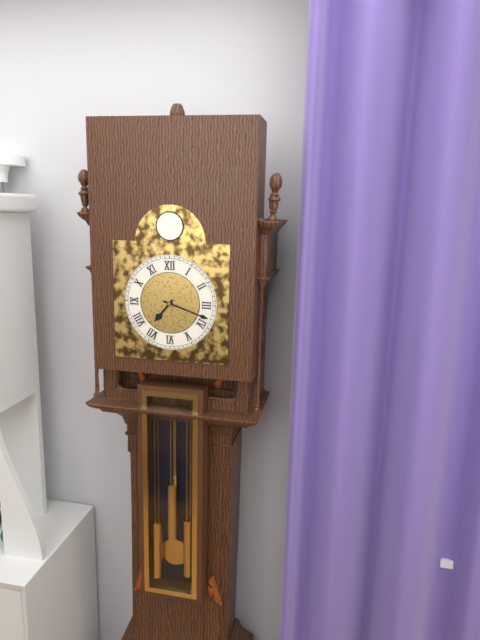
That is 7.18
